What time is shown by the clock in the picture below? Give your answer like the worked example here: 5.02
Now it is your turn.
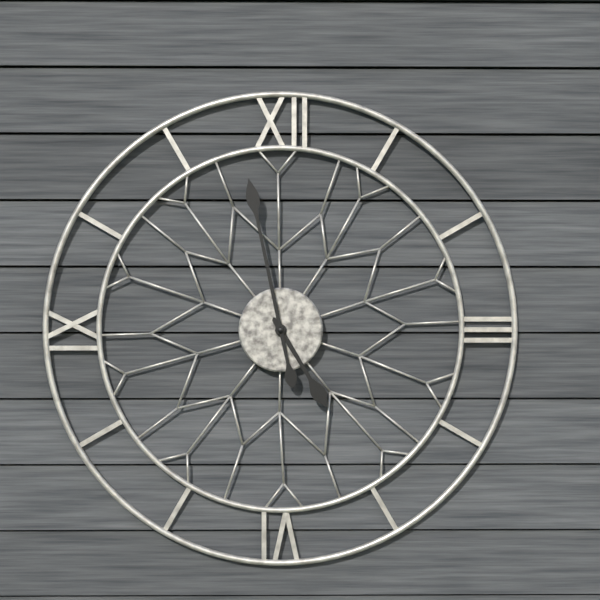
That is 4.58
